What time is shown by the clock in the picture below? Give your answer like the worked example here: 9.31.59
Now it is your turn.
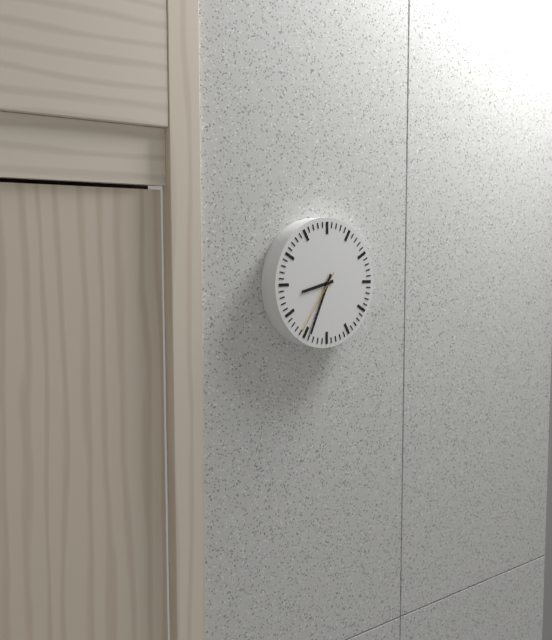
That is 8.34.36
